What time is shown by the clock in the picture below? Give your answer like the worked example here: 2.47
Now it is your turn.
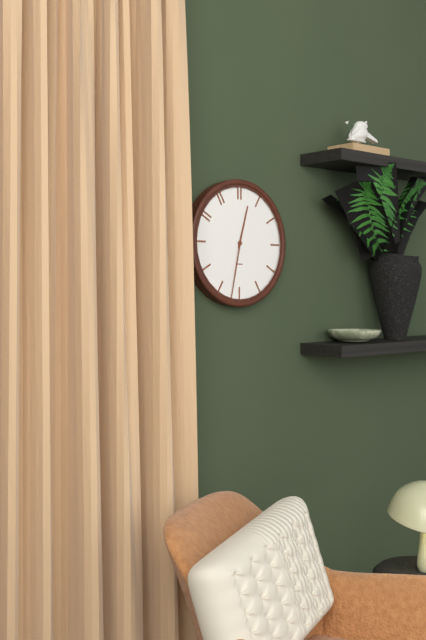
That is 12.32
